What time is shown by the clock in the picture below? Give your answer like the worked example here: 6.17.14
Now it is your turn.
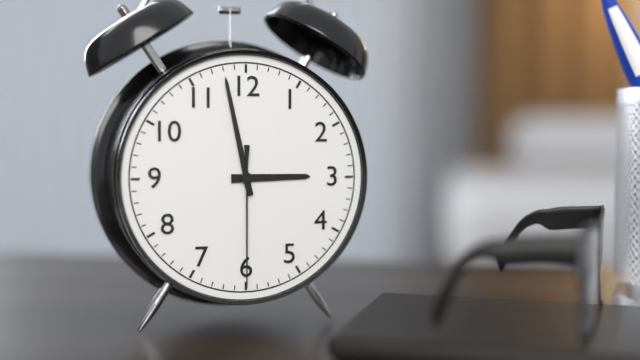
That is 2.58.30
